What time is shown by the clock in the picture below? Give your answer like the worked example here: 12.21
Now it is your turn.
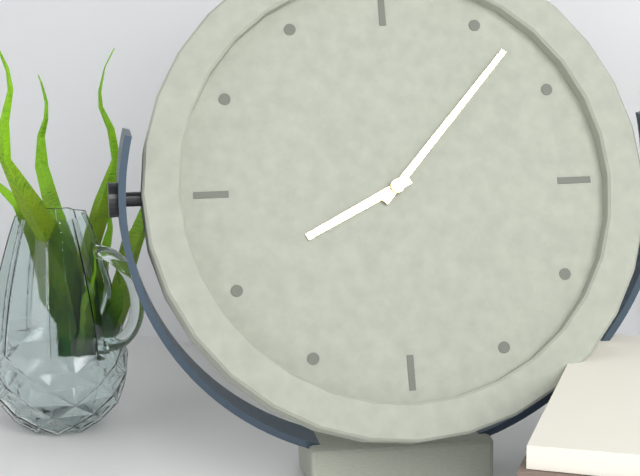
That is 8.07
